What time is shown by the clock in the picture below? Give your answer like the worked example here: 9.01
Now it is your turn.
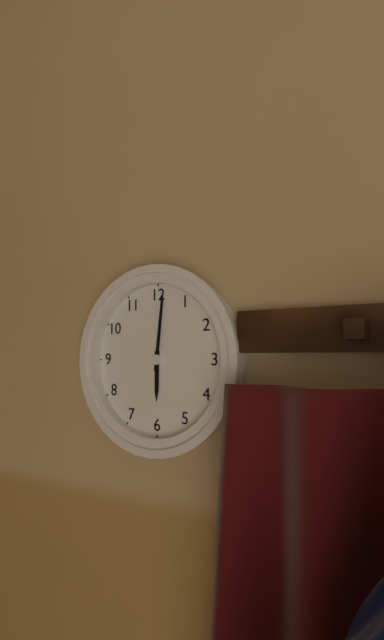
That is 6.01
